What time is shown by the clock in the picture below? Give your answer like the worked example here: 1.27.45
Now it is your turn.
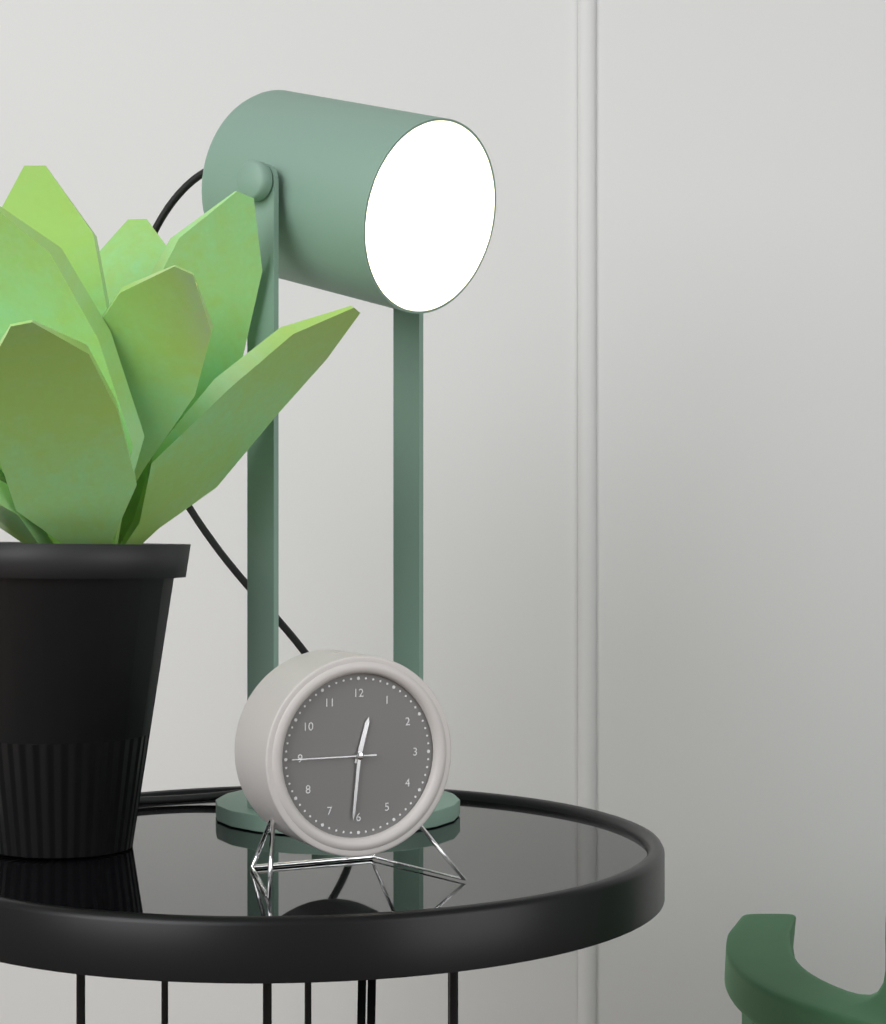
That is 12.31.45
